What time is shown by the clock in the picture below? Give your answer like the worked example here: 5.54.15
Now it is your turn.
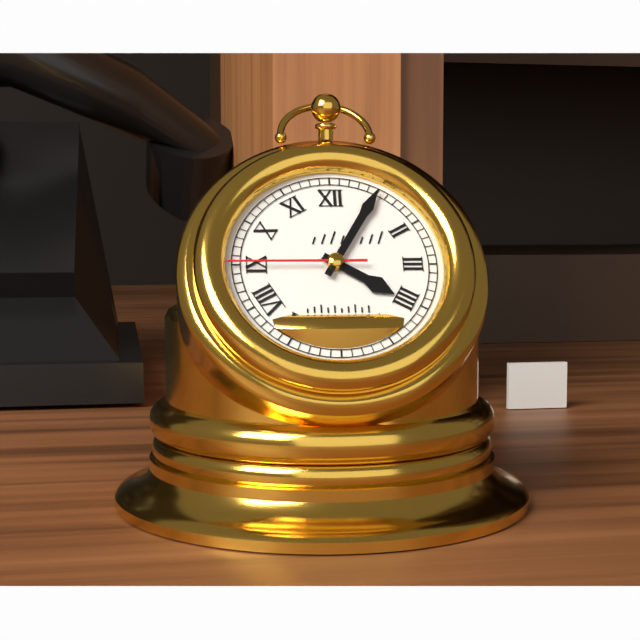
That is 4.05.45
